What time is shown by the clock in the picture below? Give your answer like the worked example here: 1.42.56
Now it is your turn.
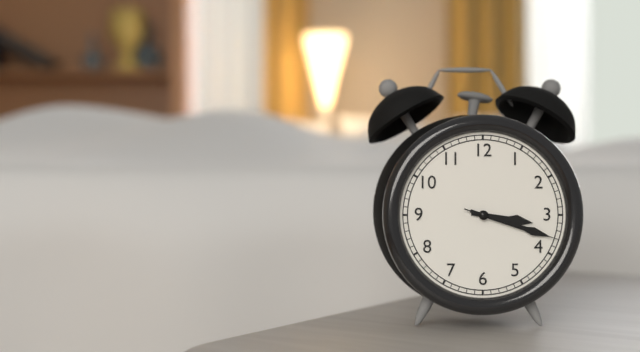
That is 3.18.18
